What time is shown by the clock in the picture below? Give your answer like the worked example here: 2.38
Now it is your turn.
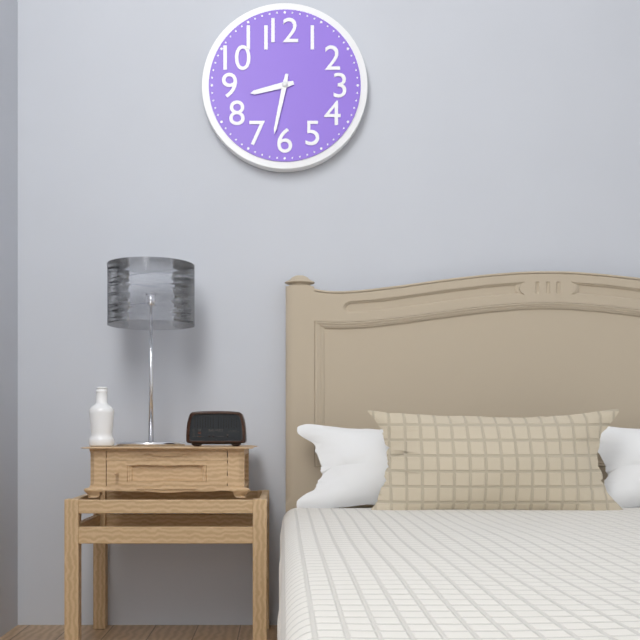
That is 8.32
